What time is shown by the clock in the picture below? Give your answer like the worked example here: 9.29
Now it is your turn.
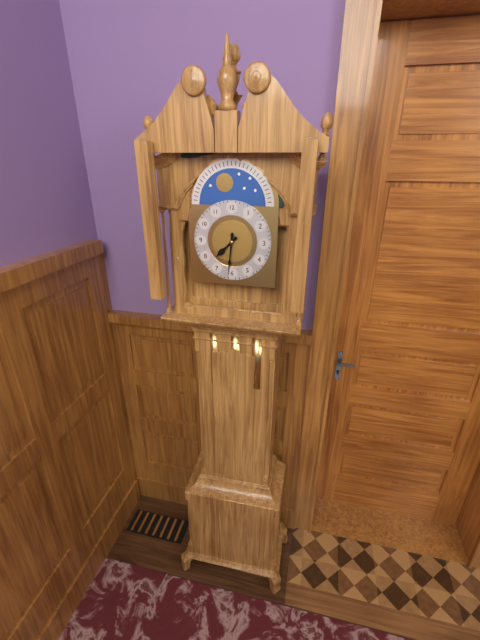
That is 7.31
